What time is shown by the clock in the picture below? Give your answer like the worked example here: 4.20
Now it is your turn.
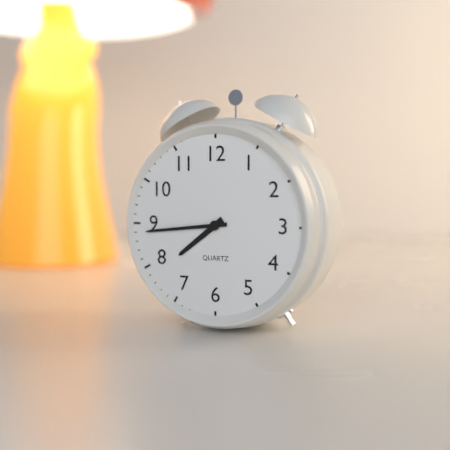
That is 7.44
